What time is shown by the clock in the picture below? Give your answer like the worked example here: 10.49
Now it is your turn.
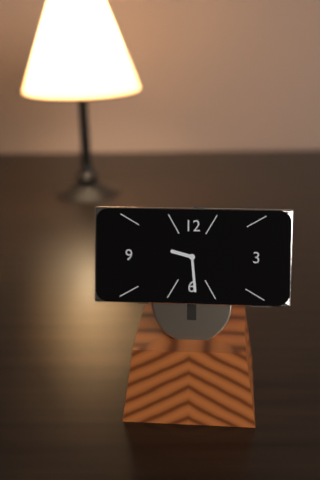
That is 9.29
